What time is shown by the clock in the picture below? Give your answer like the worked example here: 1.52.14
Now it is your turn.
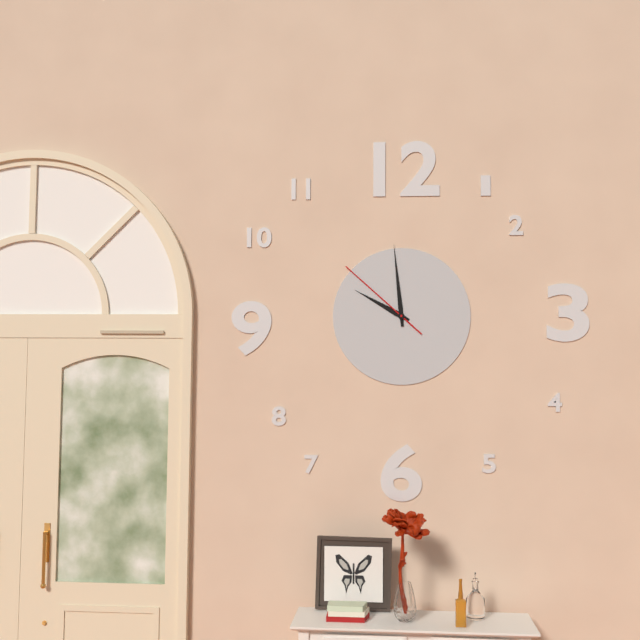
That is 9.59.52
